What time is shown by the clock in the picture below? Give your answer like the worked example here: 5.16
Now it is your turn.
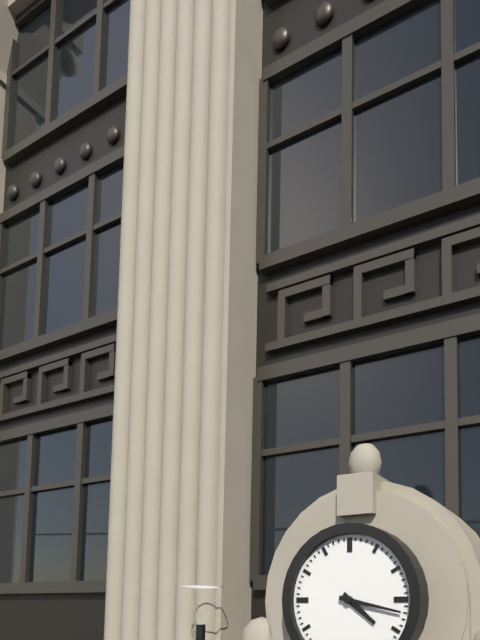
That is 4.17
